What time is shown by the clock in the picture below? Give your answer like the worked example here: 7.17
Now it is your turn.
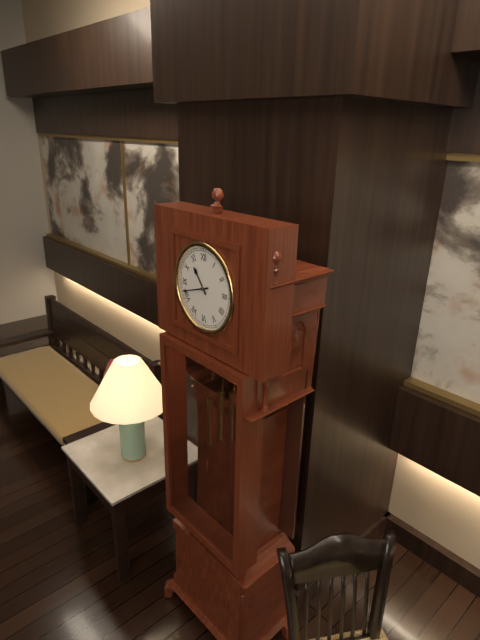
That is 10.42
